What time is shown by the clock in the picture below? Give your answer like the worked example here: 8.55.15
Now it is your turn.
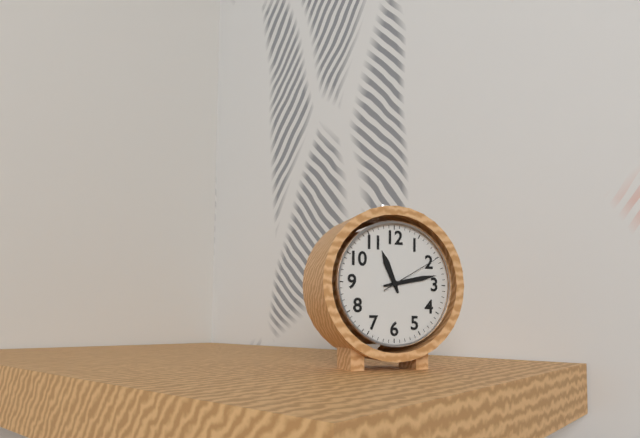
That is 11.13.10
